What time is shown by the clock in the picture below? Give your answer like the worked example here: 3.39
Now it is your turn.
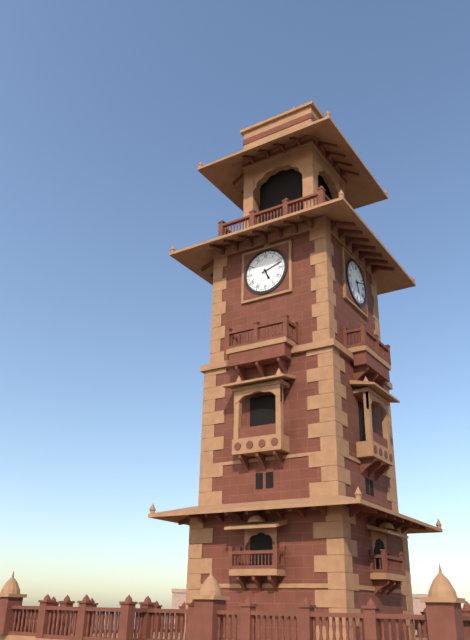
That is 5.12
